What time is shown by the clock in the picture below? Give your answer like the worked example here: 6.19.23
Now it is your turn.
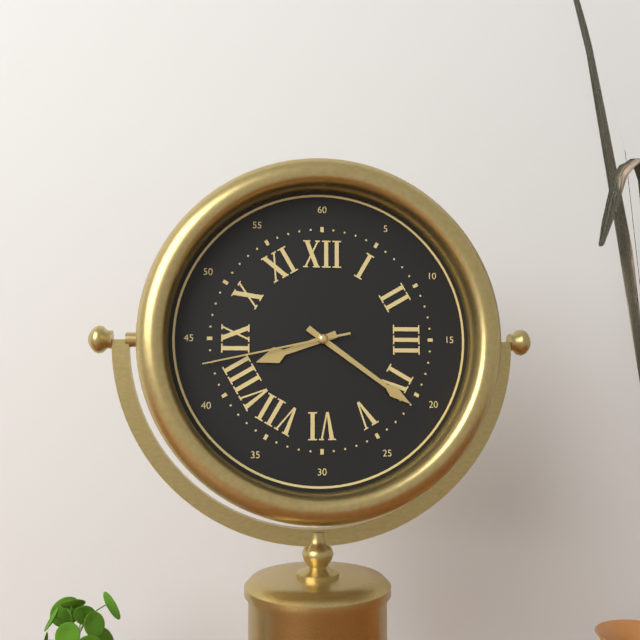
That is 8.21.43
